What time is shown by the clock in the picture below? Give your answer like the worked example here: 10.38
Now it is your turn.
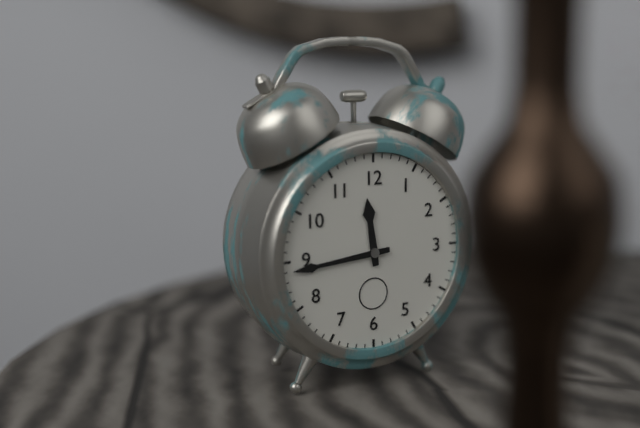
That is 11.44
